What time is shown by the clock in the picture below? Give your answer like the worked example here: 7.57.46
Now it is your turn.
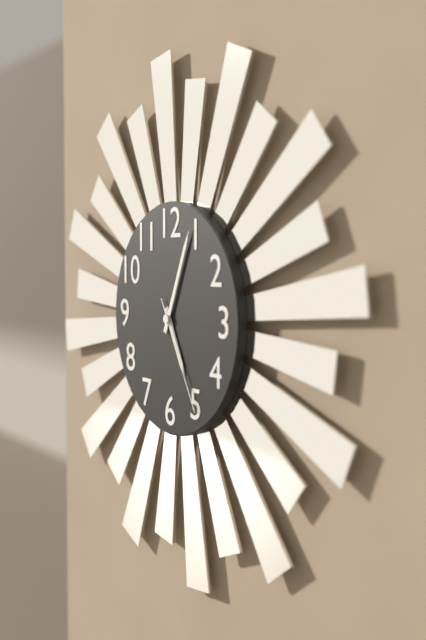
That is 5.04.25
